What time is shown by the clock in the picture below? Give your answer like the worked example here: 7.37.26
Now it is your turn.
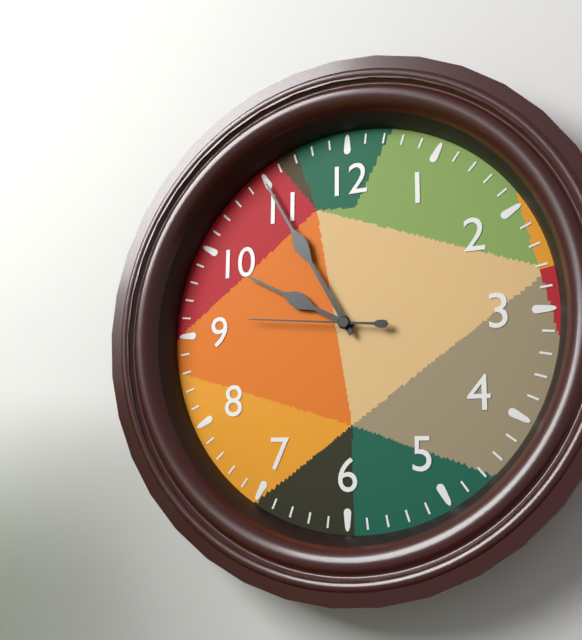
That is 9.55.46
